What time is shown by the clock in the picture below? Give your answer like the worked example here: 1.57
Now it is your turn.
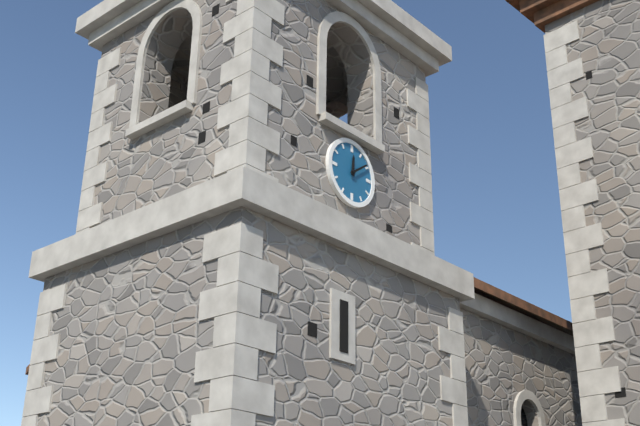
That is 12.09
